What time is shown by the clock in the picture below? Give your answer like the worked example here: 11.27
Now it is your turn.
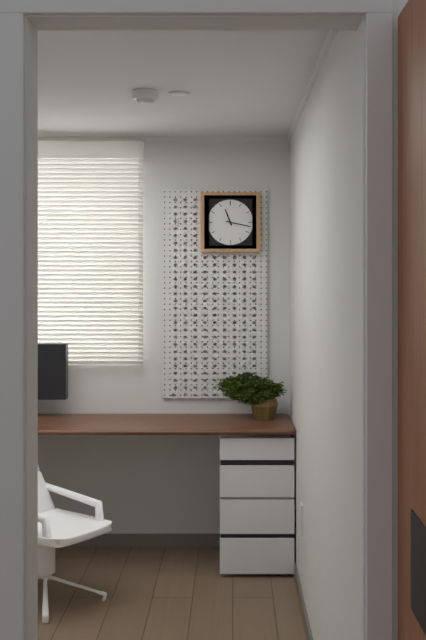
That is 11.17
